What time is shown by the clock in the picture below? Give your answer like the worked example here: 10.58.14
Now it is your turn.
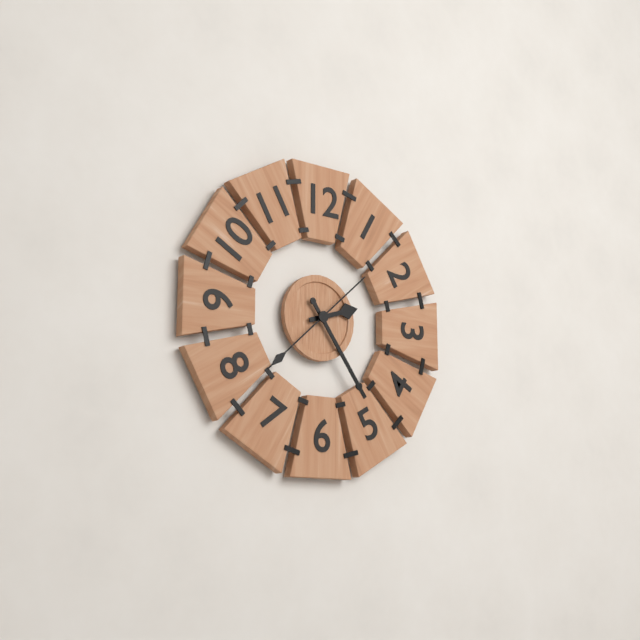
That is 2.24.38
